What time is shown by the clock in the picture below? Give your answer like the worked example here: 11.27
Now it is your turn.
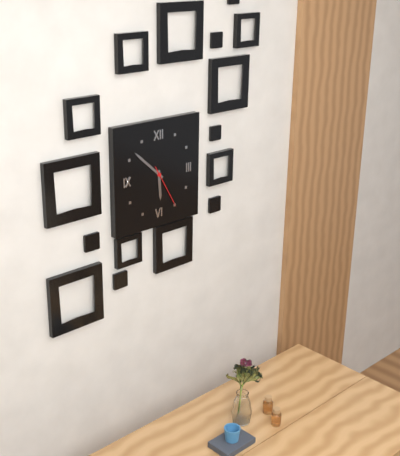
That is 5.52
